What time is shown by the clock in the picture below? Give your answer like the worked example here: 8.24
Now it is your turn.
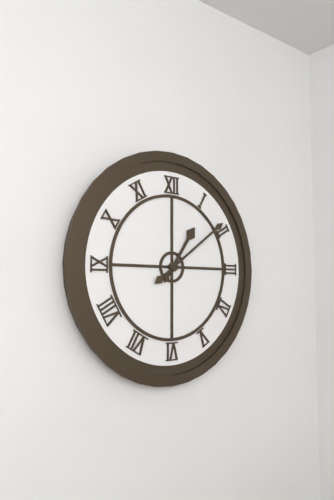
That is 1.09
